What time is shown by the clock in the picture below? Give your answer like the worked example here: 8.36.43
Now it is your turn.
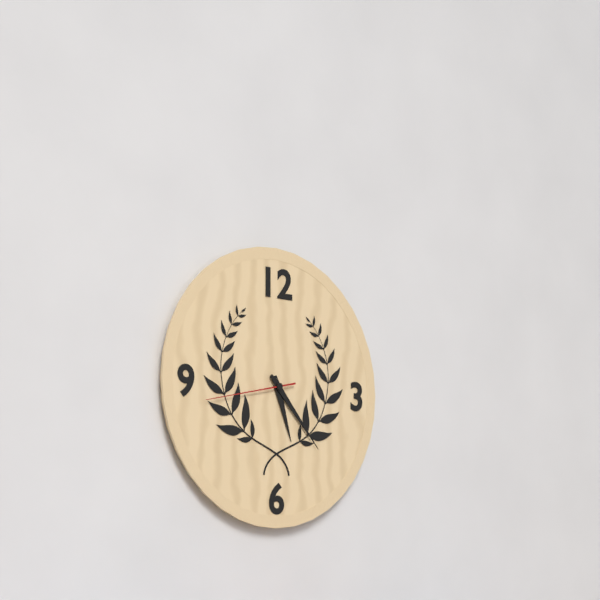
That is 5.23.43
